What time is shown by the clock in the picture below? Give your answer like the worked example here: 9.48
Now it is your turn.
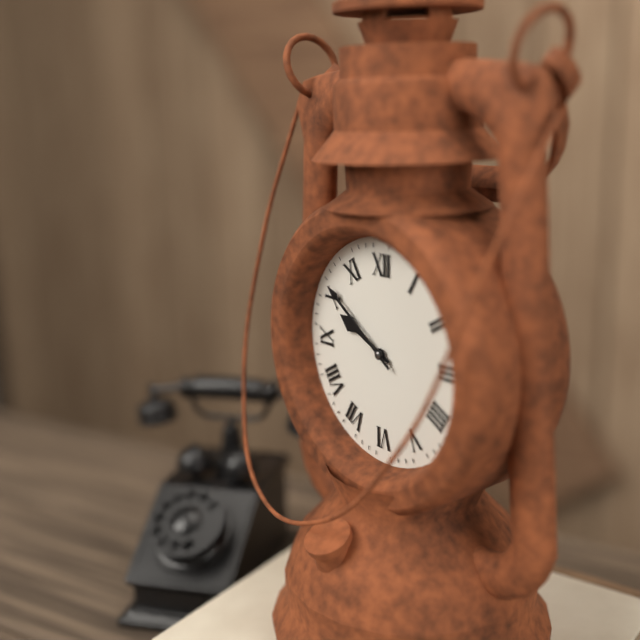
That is 9.51
